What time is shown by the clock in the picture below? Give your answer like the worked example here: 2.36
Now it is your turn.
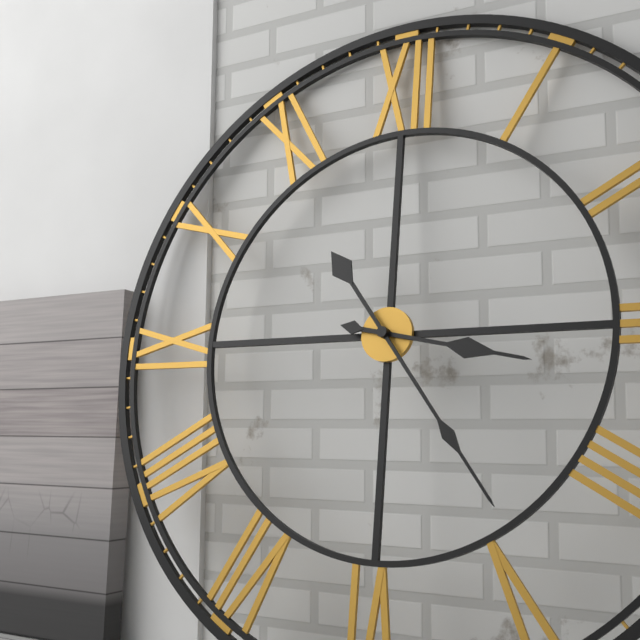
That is 3.24
